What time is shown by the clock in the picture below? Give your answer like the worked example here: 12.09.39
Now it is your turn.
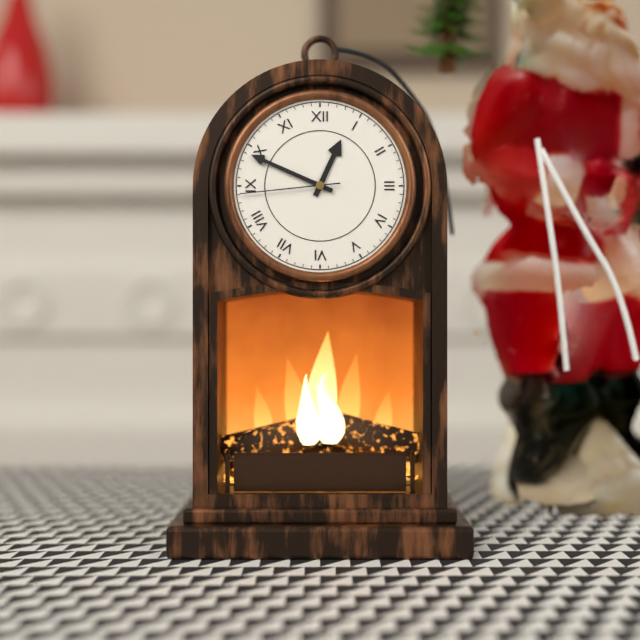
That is 12.49.44
